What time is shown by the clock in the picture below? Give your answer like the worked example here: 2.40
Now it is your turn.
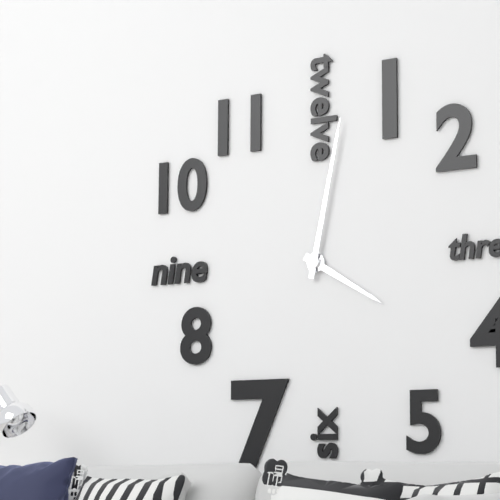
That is 4.02
